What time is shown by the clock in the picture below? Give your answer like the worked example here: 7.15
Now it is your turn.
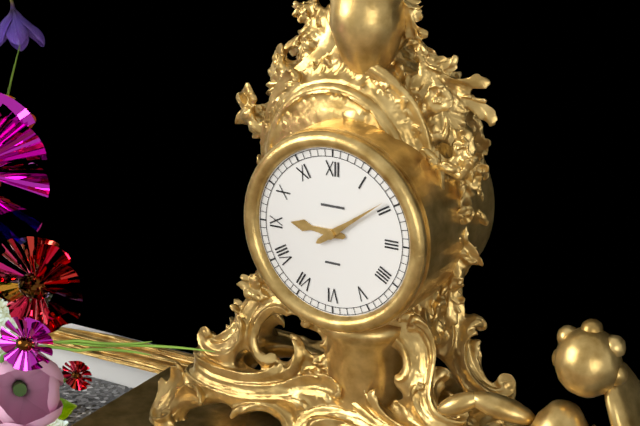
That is 9.09
